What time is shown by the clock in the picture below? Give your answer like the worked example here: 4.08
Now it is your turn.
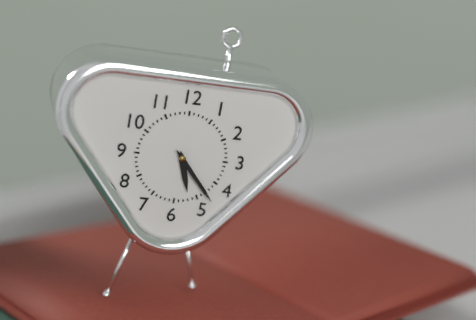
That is 5.23
